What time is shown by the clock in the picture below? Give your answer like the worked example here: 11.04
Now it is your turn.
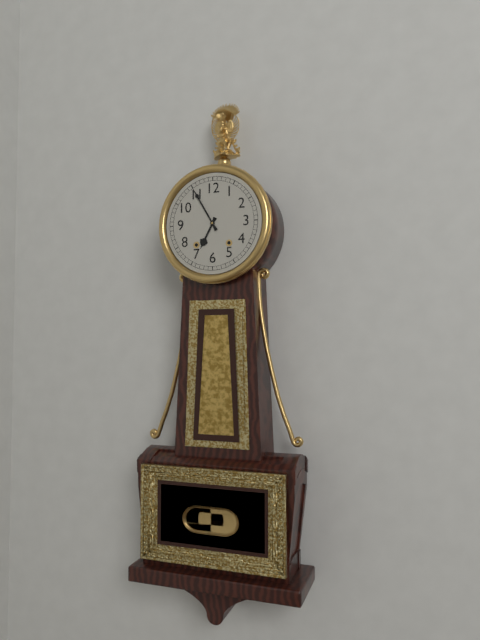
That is 6.55
